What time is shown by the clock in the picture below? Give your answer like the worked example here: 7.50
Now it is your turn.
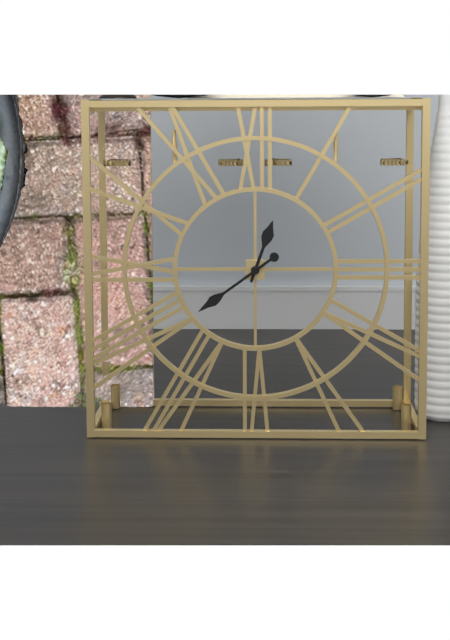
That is 12.39
